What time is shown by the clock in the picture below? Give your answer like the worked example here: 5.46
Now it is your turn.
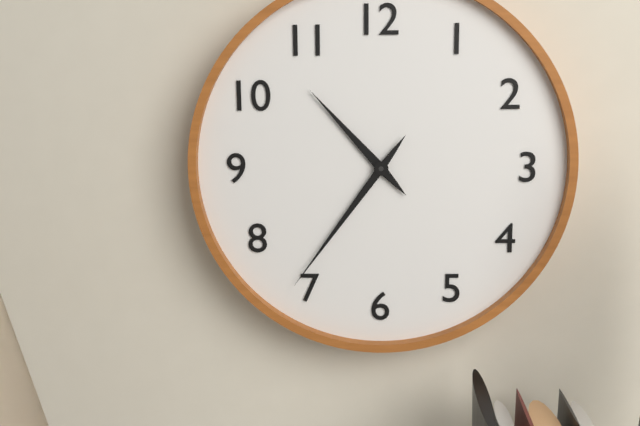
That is 10.36
